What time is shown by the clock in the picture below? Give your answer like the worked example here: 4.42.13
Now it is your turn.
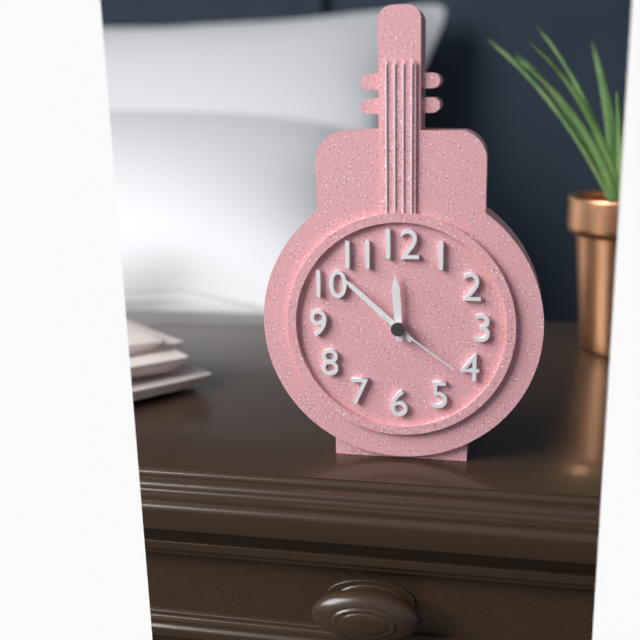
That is 11.52.21
